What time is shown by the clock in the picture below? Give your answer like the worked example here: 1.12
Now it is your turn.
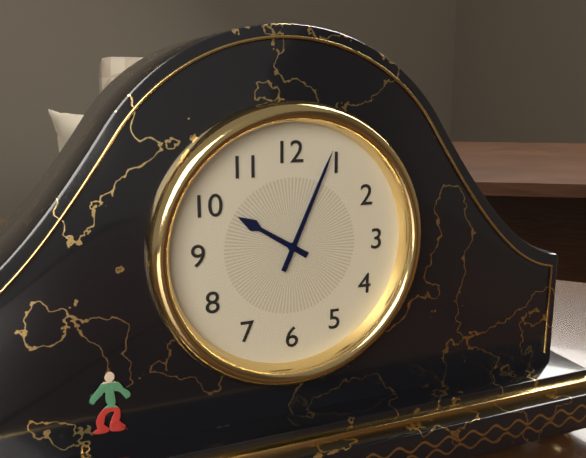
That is 10.04
